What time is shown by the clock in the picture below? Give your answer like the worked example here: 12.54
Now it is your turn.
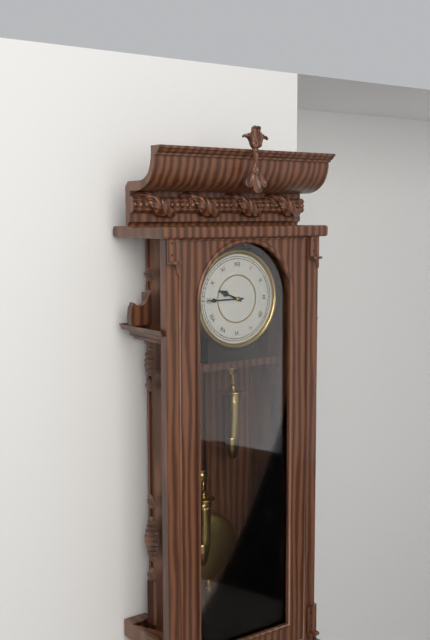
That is 9.45
